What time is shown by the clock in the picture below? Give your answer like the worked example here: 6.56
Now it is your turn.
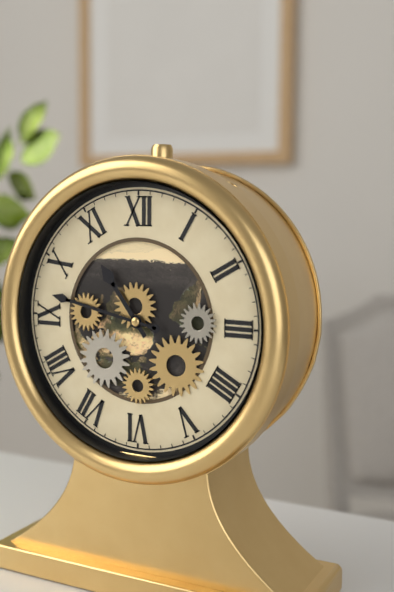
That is 10.47
